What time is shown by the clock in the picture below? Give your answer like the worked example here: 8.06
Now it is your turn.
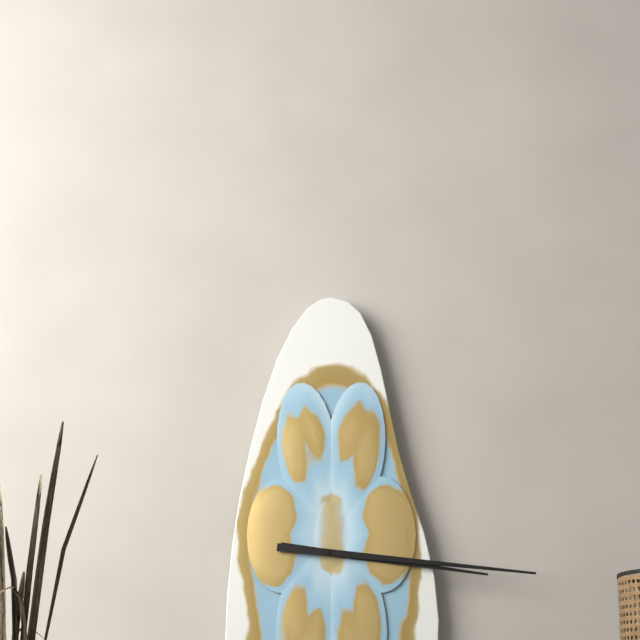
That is 3.16
